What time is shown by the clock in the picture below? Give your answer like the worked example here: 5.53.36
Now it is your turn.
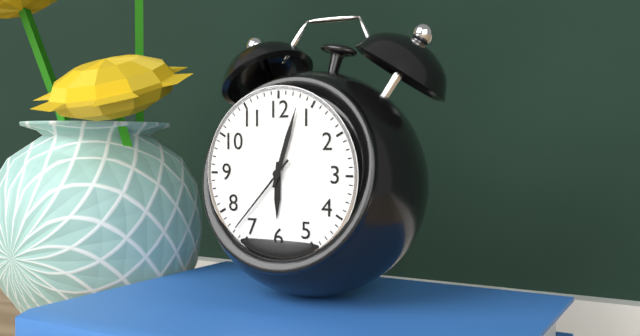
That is 6.03.37
